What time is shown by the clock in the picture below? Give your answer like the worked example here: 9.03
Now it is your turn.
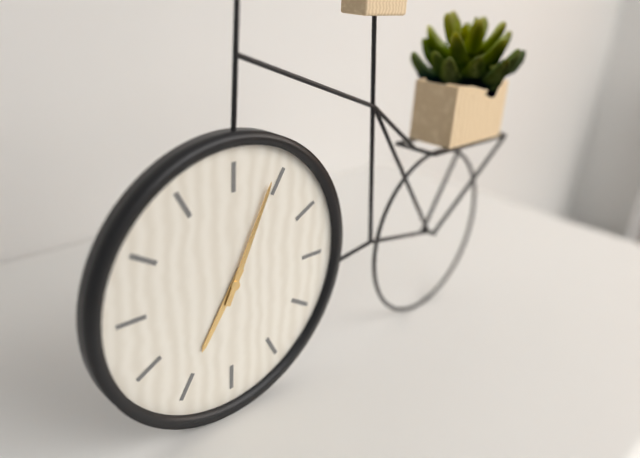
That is 7.04
